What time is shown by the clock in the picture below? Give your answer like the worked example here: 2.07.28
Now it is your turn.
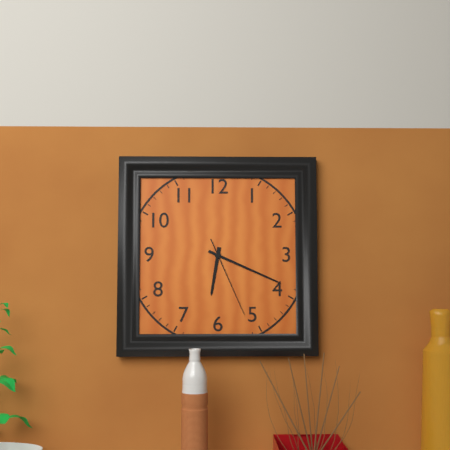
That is 6.19.26
